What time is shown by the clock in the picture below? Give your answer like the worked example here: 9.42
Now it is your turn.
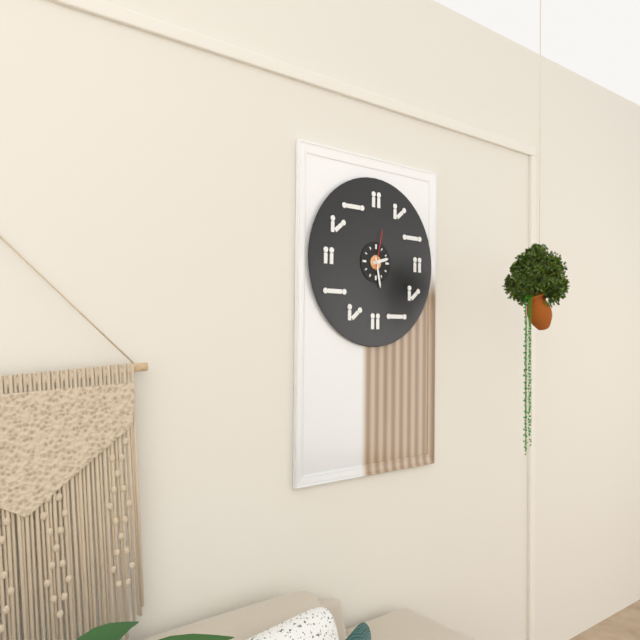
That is 2.28
